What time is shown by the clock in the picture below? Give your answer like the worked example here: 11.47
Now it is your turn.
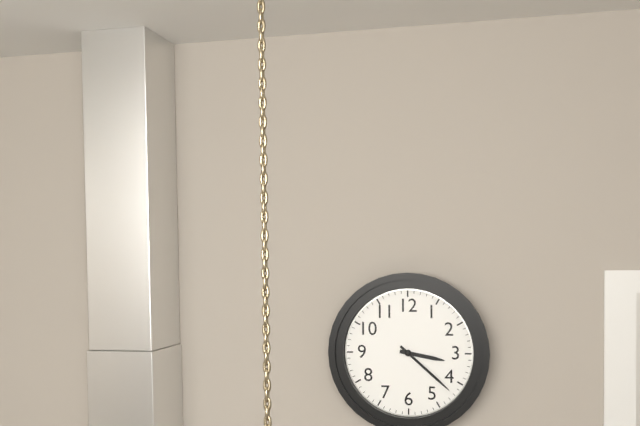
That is 3.22
